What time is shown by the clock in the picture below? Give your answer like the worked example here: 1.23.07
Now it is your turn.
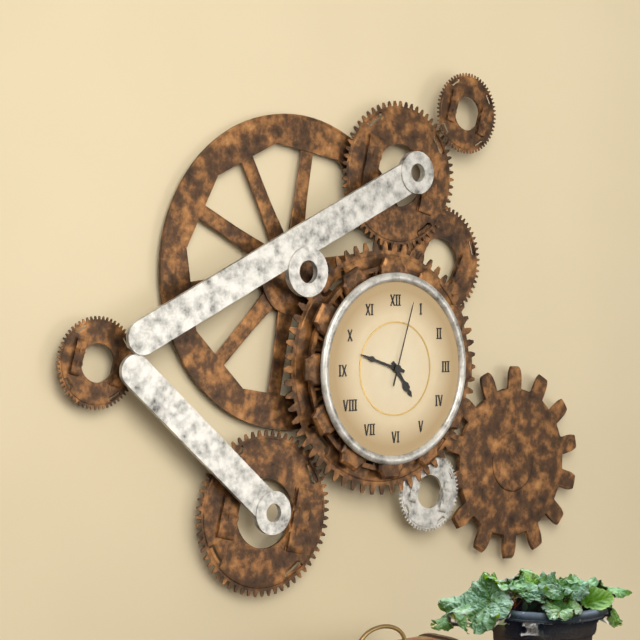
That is 4.48.03
